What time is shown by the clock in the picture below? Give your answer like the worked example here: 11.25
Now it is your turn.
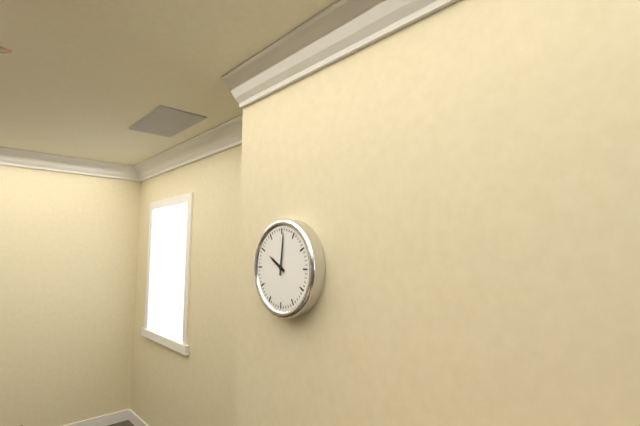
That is 10.01
